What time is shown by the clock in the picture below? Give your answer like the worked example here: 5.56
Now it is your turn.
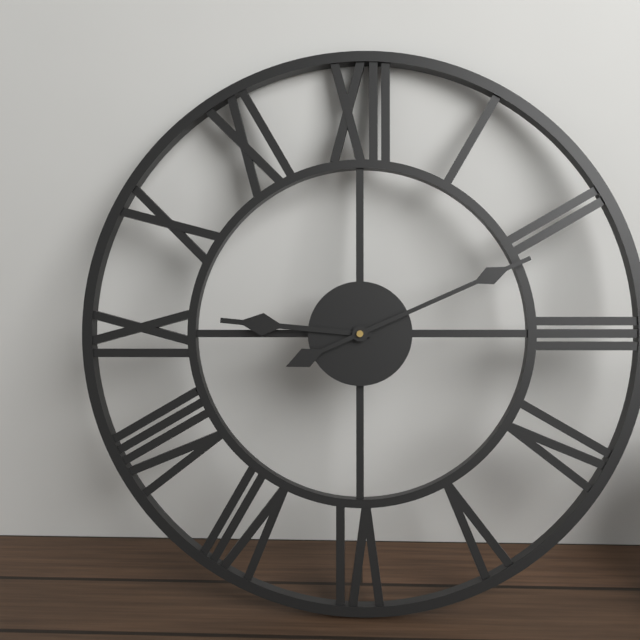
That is 9.11
